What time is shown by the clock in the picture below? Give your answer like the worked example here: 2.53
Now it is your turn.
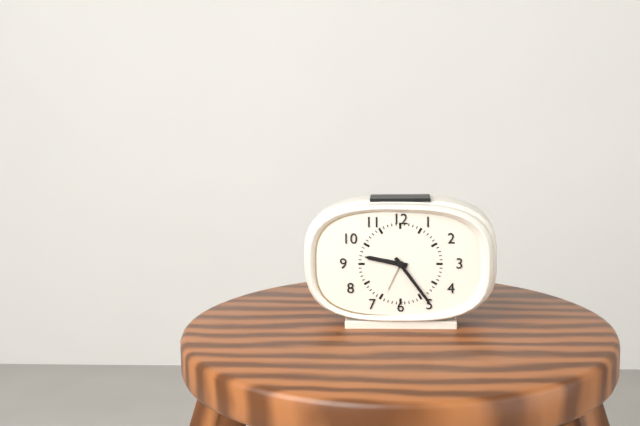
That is 9.24
